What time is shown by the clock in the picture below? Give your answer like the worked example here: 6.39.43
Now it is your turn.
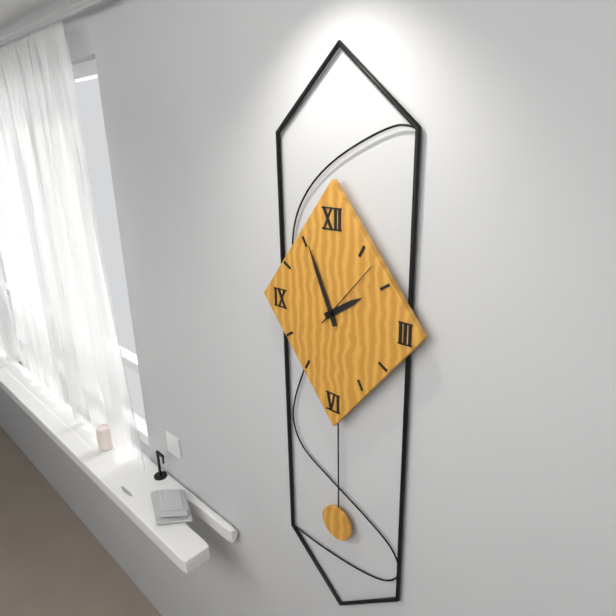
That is 1.56.07
